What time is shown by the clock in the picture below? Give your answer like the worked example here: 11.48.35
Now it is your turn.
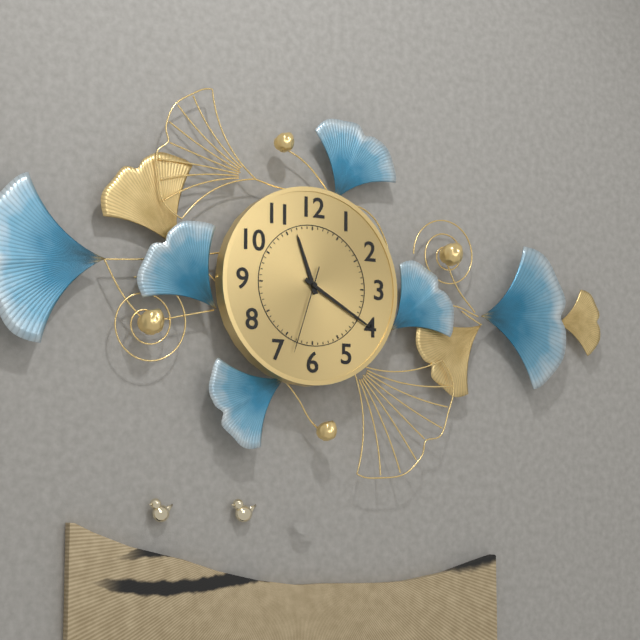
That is 11.20.33
